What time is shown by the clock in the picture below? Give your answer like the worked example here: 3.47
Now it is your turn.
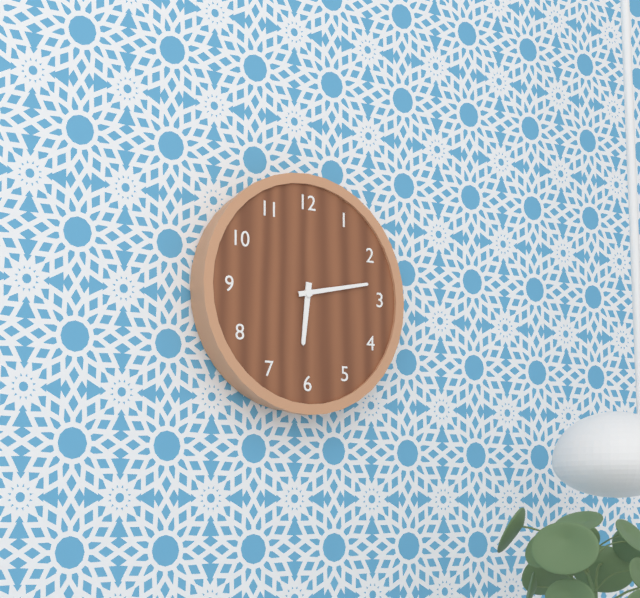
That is 6.13
